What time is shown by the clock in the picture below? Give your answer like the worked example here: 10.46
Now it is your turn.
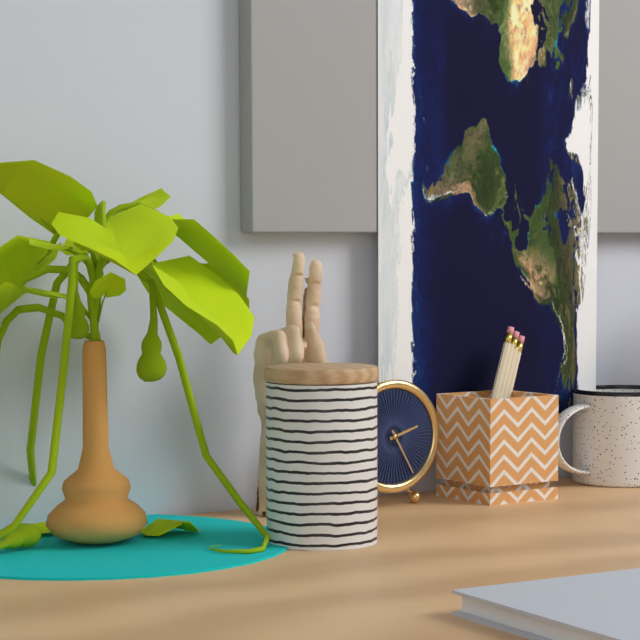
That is 2.25
